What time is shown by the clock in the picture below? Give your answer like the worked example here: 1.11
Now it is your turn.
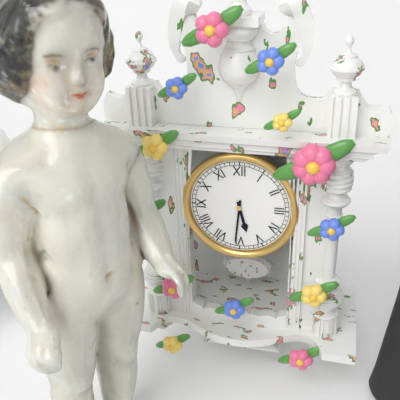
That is 5.31
